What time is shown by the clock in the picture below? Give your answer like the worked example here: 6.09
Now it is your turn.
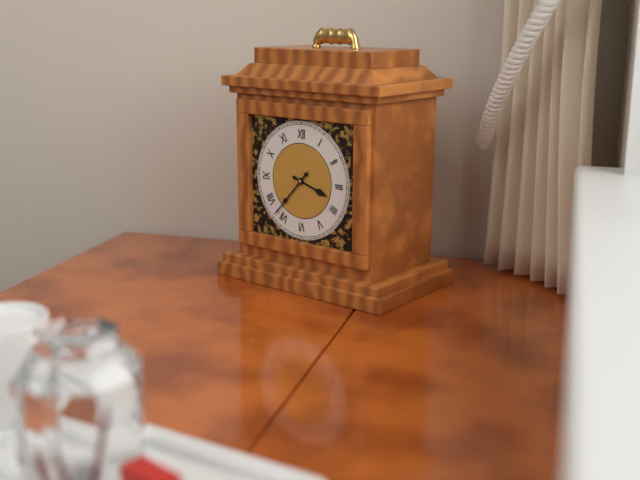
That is 3.37
